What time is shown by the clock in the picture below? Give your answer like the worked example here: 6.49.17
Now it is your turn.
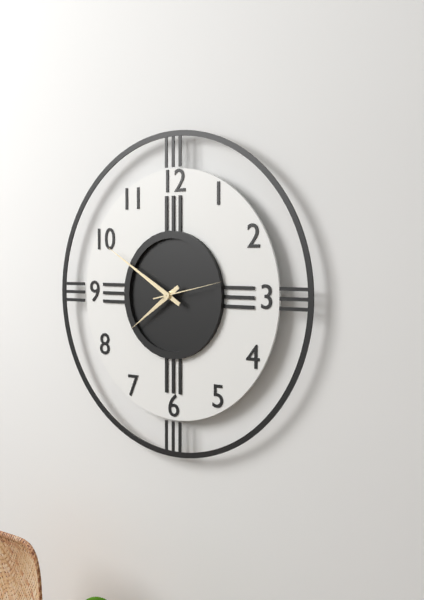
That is 7.50.13
